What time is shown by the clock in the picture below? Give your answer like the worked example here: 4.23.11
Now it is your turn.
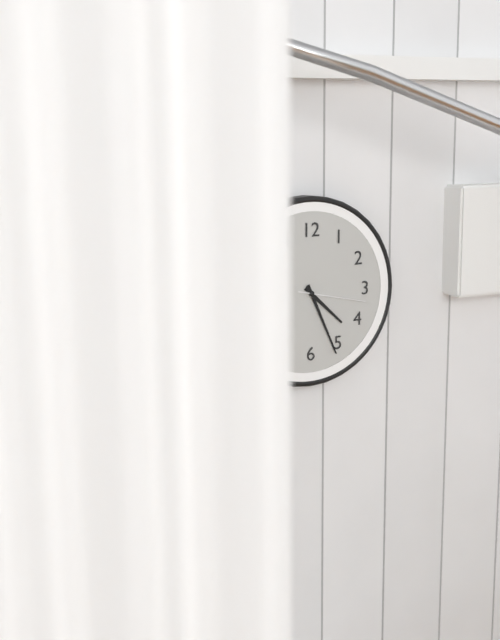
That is 4.26.17
